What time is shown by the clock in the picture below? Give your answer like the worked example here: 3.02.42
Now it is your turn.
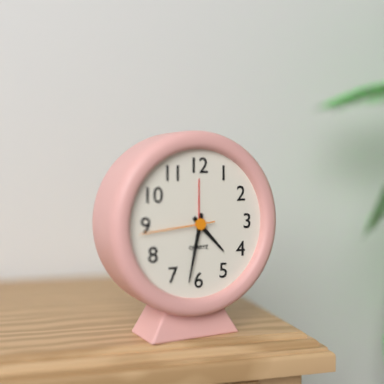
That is 4.32.44
